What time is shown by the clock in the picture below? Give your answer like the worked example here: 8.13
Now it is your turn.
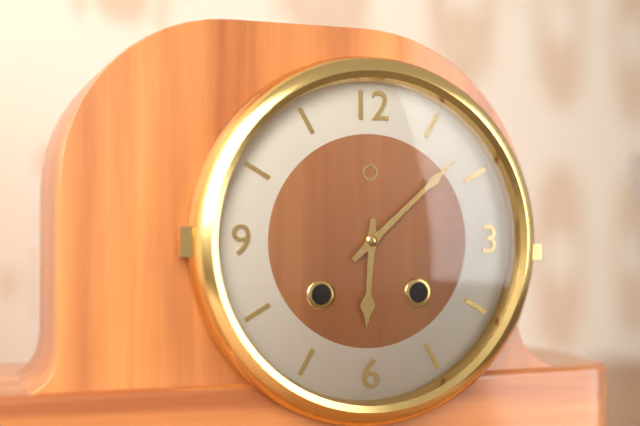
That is 6.08
